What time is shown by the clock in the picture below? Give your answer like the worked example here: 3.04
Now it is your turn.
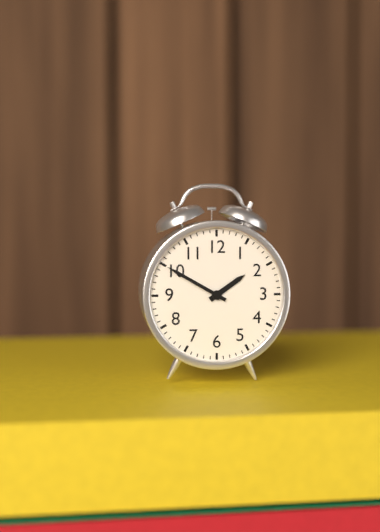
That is 1.50
